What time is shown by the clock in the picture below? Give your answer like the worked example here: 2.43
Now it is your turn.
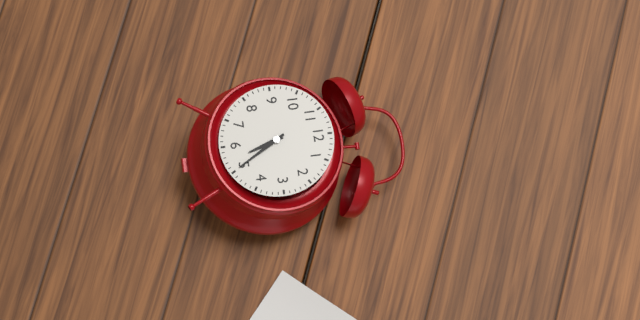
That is 5.25
